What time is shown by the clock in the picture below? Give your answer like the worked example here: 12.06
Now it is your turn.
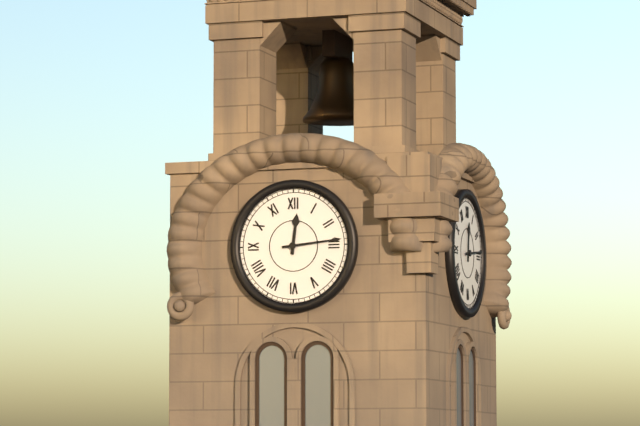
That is 12.14
